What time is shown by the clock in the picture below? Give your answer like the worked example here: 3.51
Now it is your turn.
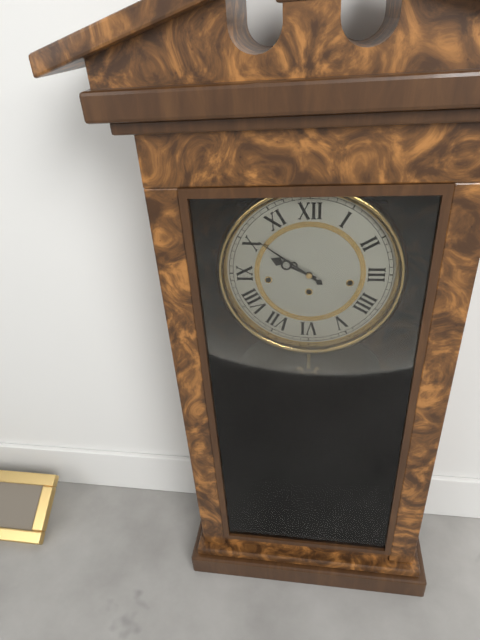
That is 9.51
